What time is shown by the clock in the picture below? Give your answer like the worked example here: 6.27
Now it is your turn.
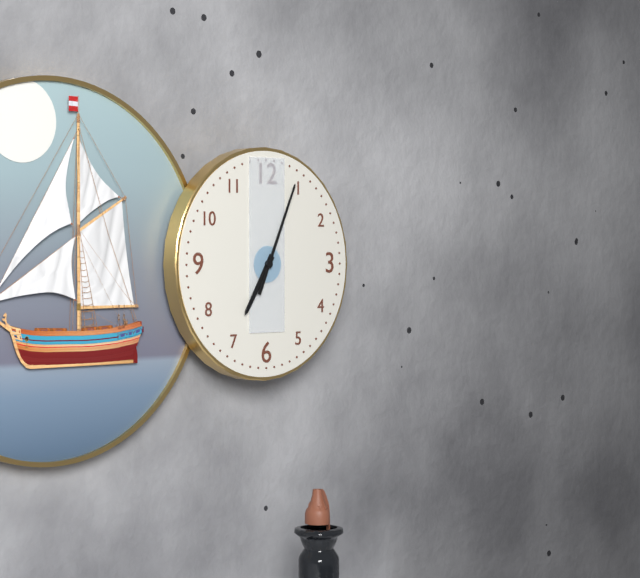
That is 7.04
